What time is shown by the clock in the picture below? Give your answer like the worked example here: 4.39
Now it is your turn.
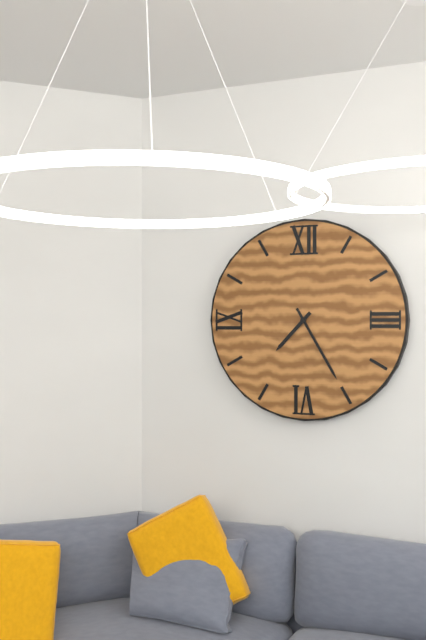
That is 7.25
